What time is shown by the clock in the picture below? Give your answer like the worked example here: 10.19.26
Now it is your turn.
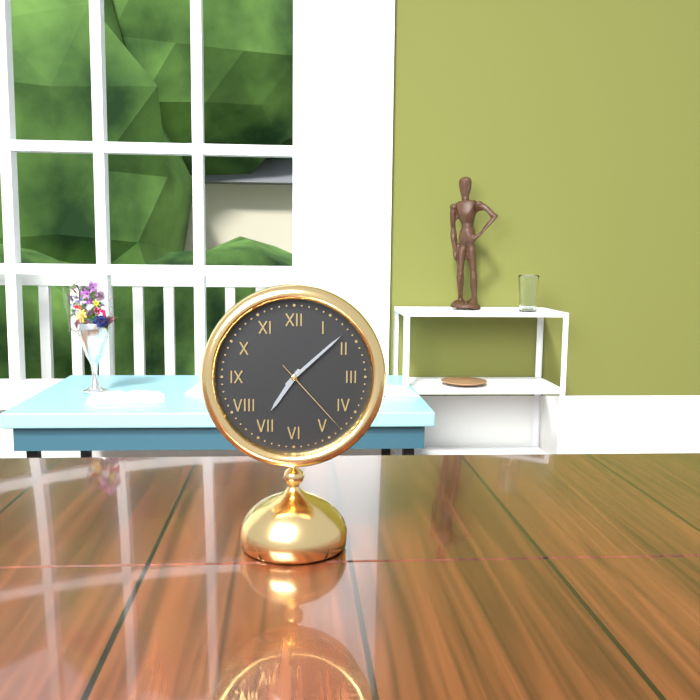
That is 7.08.23
